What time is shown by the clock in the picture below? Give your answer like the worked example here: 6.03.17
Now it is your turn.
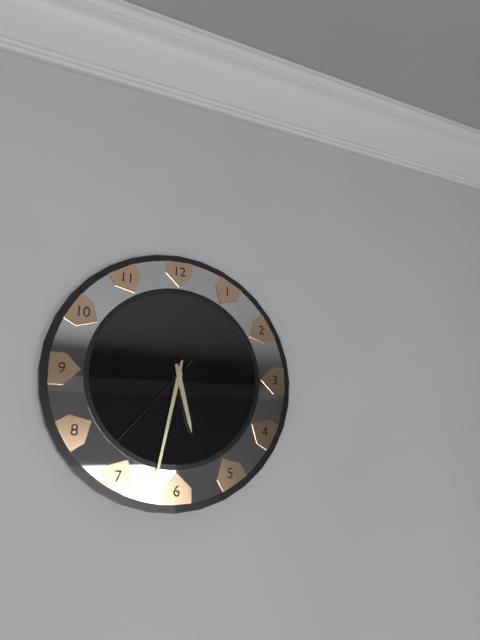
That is 5.32.37
